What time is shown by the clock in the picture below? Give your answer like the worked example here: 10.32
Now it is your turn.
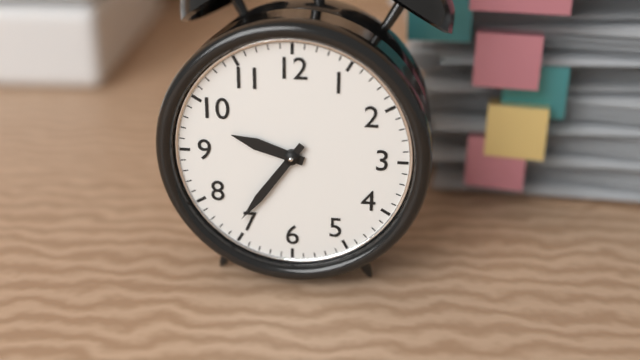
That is 9.36
